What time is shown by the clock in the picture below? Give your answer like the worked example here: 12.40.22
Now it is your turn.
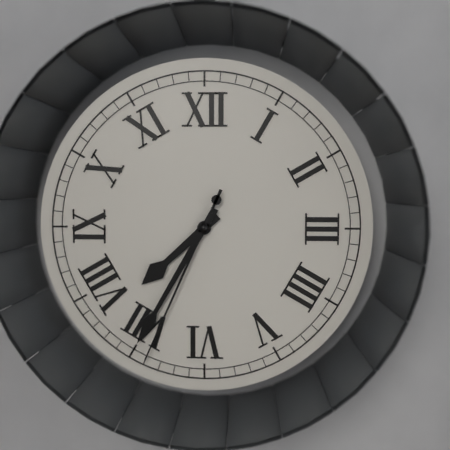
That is 7.35.34
